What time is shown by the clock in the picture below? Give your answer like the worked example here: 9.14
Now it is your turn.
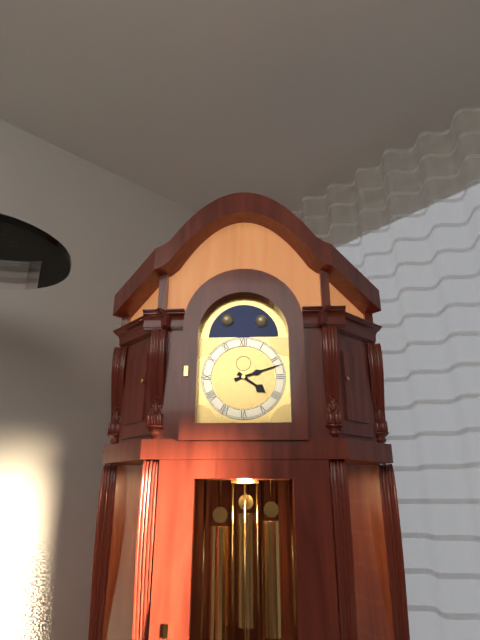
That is 4.12
